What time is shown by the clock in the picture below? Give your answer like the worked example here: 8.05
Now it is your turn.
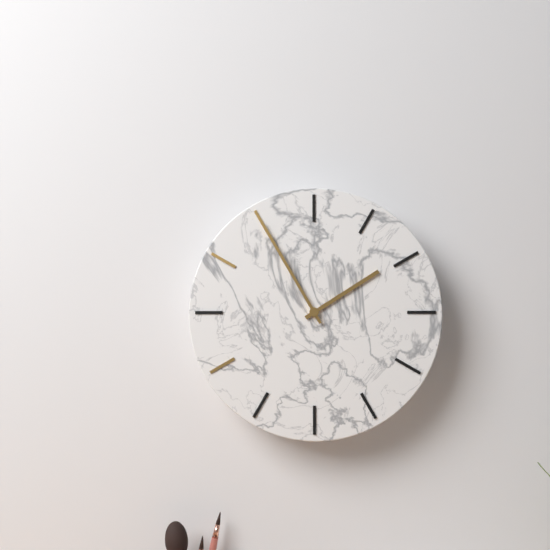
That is 1.55
